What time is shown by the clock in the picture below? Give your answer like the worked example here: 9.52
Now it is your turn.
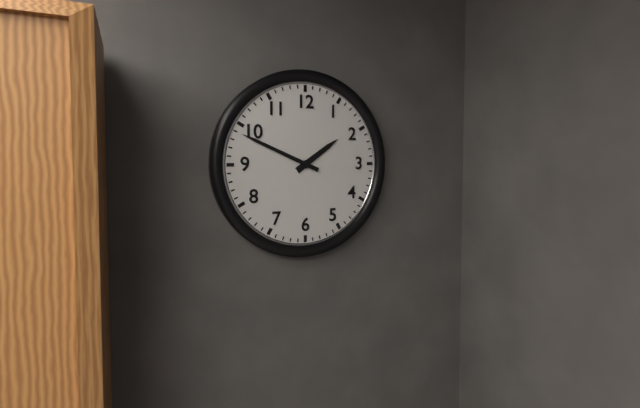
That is 1.49
